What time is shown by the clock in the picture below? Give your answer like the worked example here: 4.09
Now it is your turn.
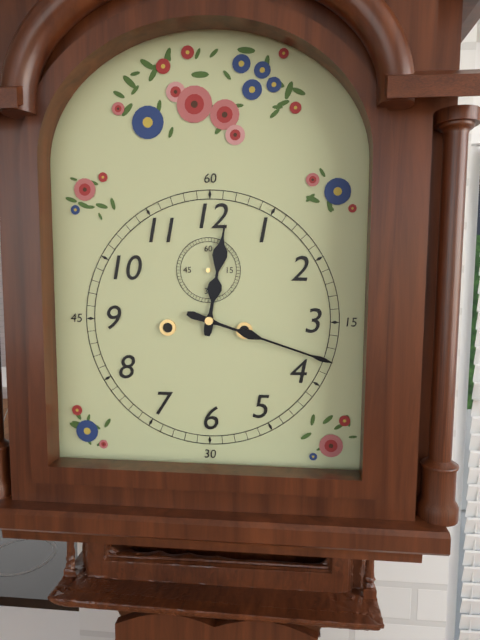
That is 12.18
